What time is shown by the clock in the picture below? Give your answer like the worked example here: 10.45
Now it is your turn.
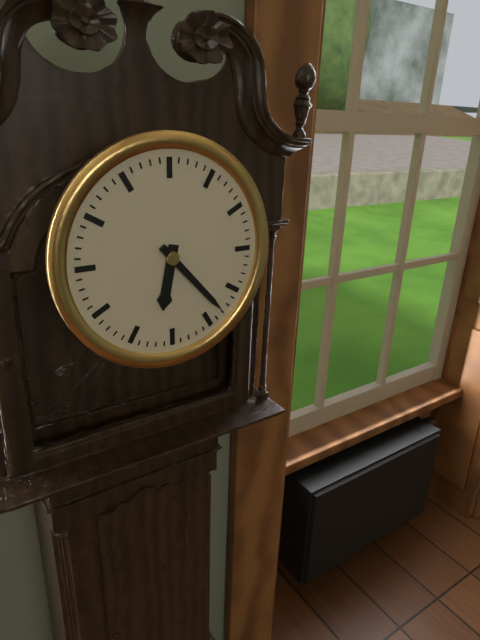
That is 6.23
